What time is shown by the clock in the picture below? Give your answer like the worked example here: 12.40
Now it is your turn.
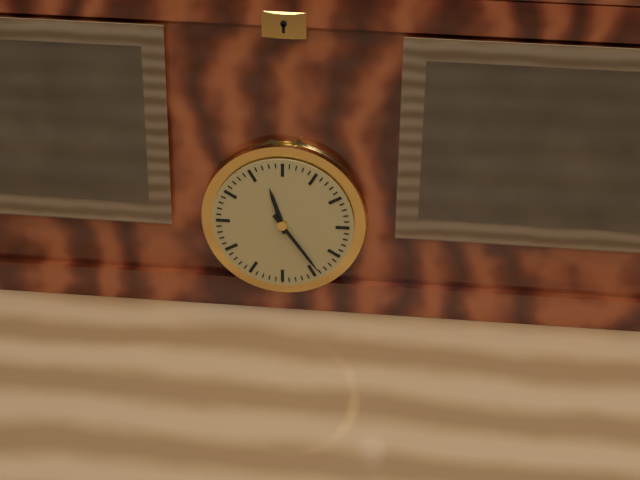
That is 11.24
